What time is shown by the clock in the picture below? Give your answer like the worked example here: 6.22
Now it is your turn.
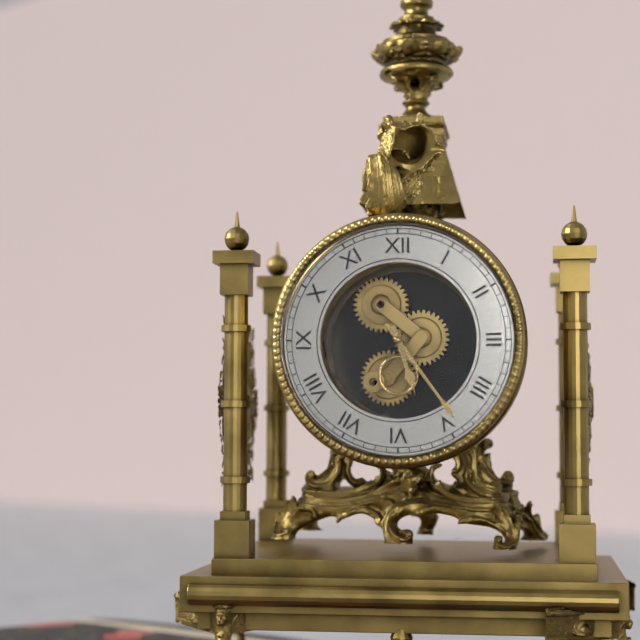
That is 5.24
